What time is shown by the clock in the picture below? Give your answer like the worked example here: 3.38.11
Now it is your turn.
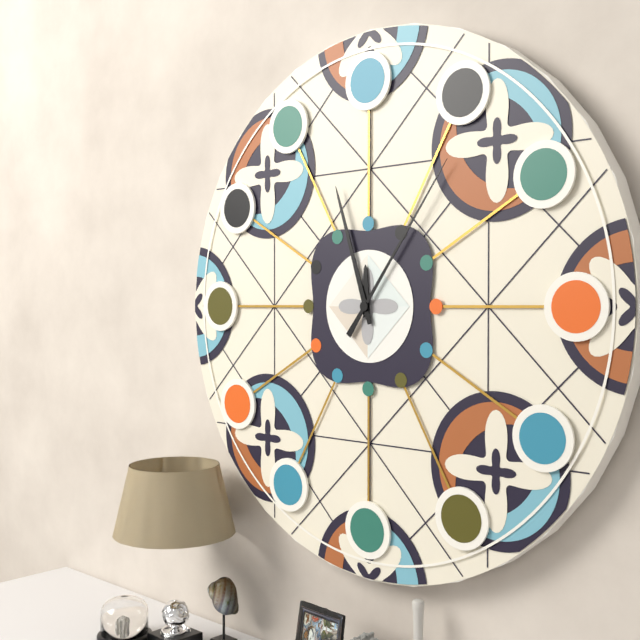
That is 11.57.06
